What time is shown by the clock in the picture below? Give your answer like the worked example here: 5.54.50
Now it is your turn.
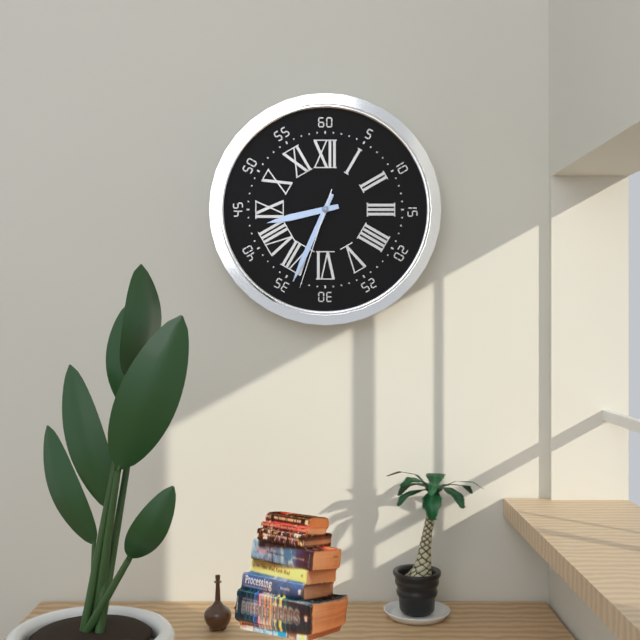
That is 8.34.33
